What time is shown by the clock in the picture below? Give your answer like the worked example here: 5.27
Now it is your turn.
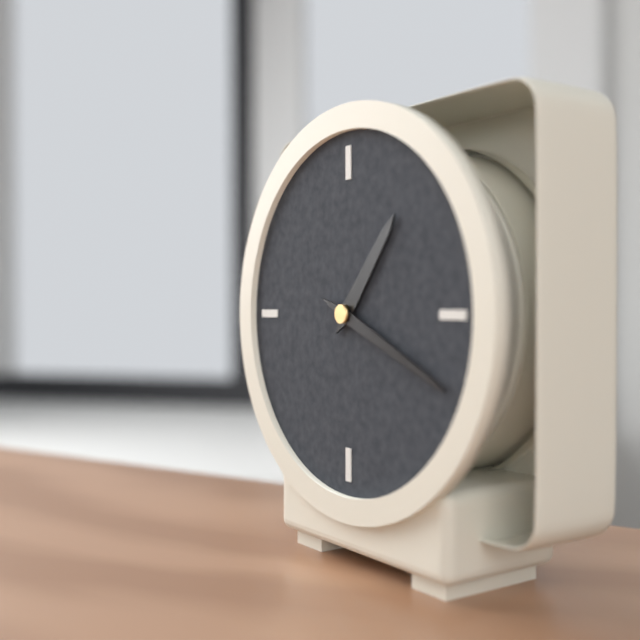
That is 1.19
